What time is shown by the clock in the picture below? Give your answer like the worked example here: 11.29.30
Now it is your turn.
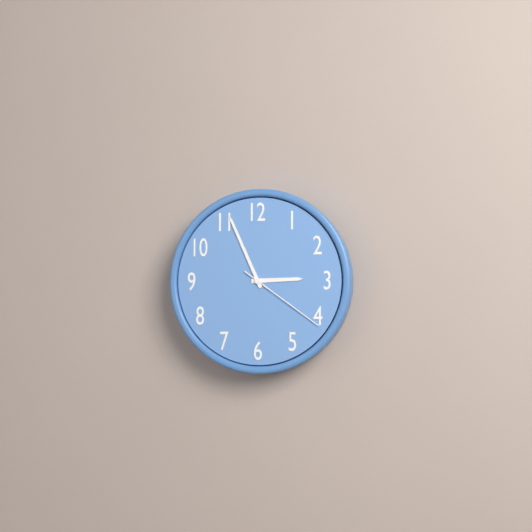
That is 2.56.21
